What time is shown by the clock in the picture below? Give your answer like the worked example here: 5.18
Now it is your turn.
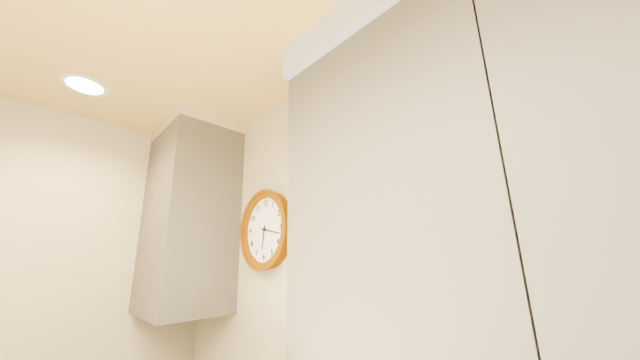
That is 6.17
